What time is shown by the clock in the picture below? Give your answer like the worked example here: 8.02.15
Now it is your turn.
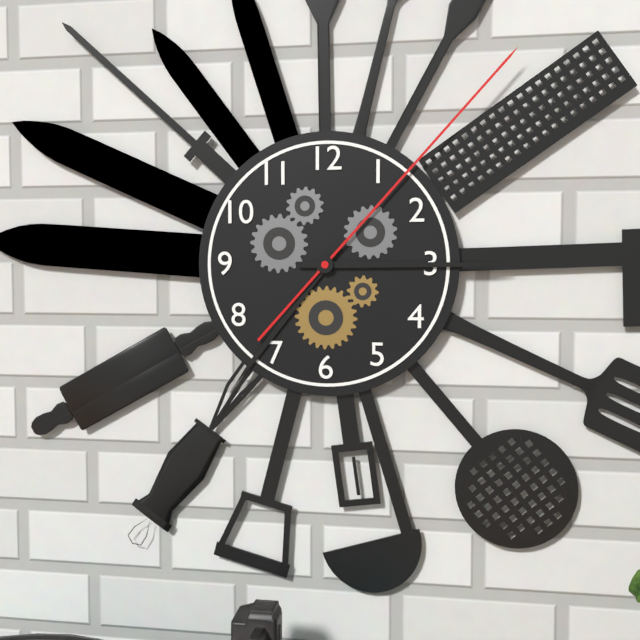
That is 7.15.07
